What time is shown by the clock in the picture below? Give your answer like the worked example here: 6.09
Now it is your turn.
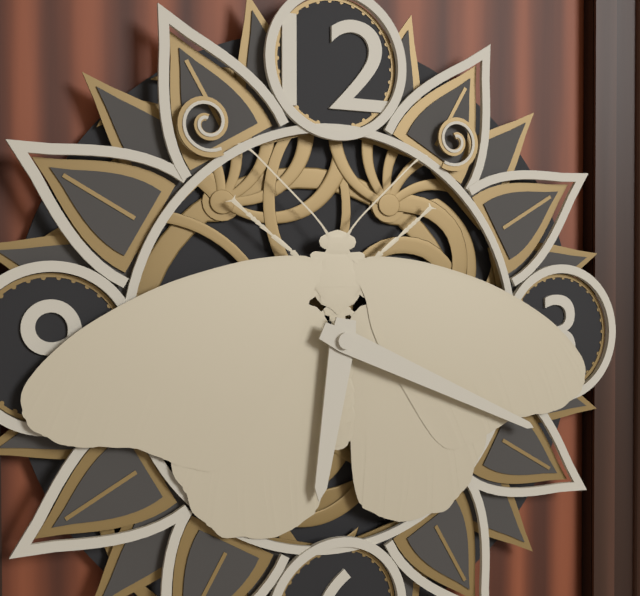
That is 6.19
